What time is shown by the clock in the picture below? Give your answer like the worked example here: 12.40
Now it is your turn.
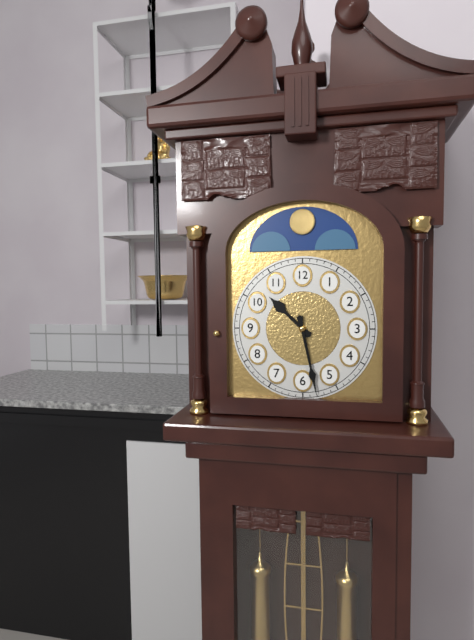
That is 10.28
